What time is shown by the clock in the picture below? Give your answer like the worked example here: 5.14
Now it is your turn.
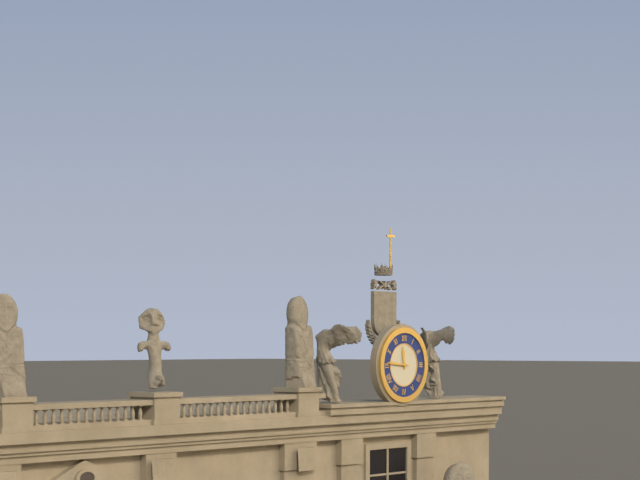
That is 11.46
